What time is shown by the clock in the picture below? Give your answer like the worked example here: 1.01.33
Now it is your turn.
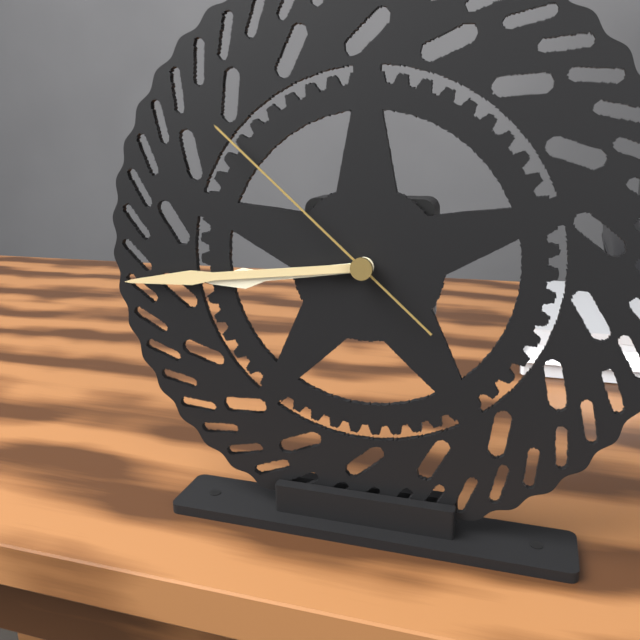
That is 8.44.52
